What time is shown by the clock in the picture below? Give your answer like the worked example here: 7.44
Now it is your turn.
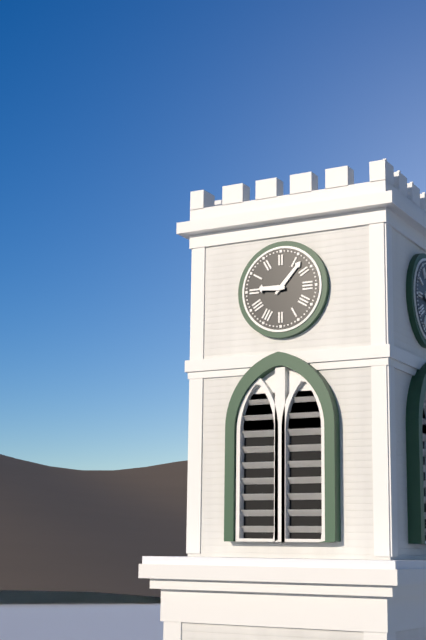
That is 9.07
